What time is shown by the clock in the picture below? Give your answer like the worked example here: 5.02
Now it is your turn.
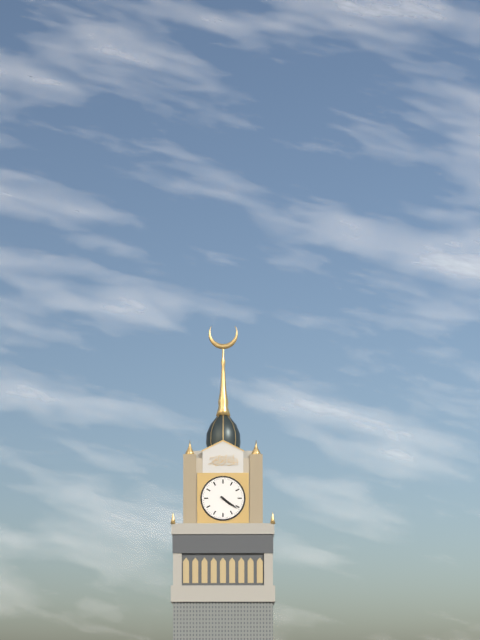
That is 4.21
